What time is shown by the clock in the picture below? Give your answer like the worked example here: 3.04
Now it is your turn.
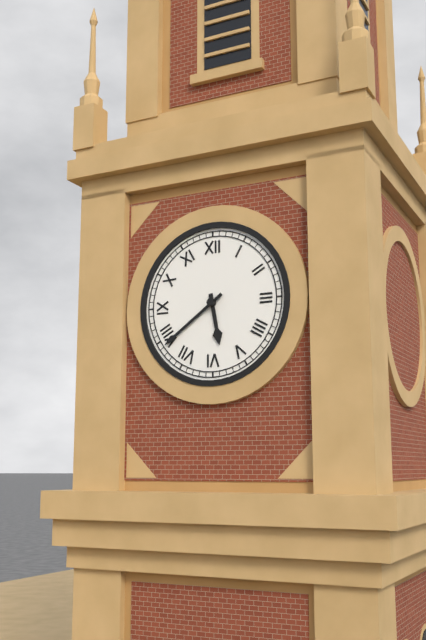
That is 5.39
